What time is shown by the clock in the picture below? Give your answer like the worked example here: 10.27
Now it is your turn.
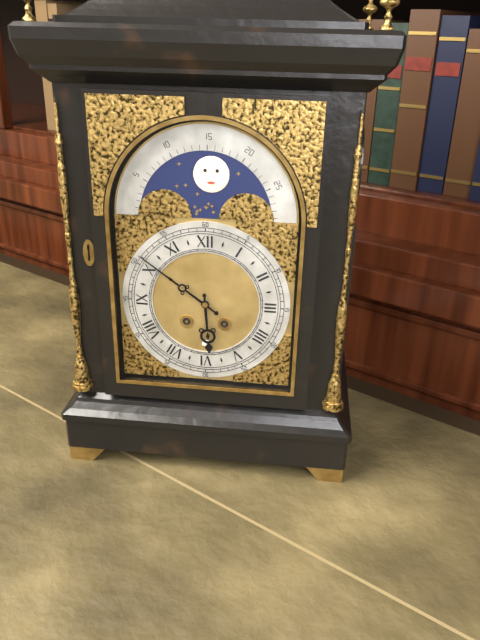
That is 5.51
